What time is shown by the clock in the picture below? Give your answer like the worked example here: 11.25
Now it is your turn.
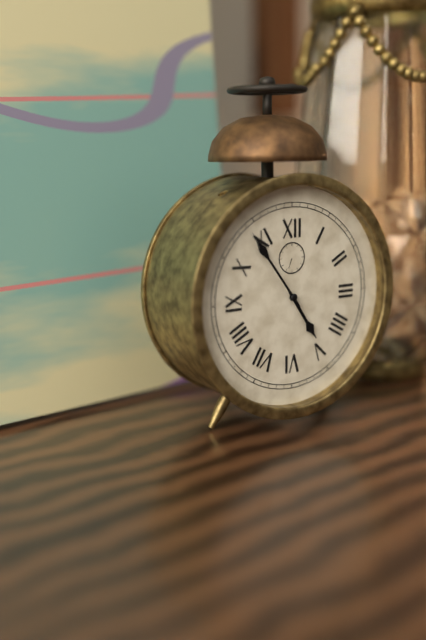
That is 4.54
